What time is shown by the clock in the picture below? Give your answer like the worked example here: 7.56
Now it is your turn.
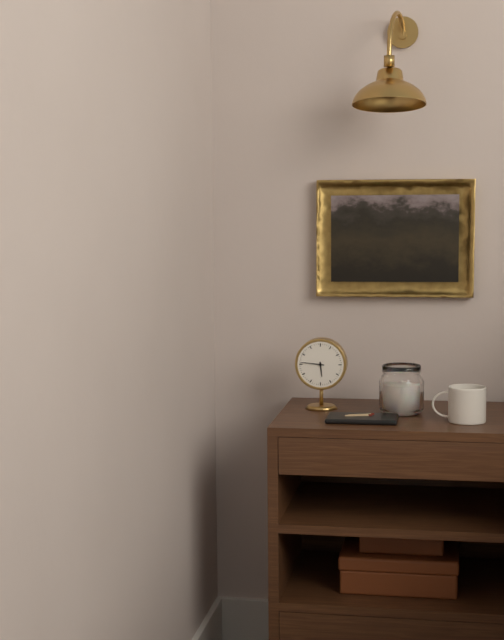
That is 5.46
